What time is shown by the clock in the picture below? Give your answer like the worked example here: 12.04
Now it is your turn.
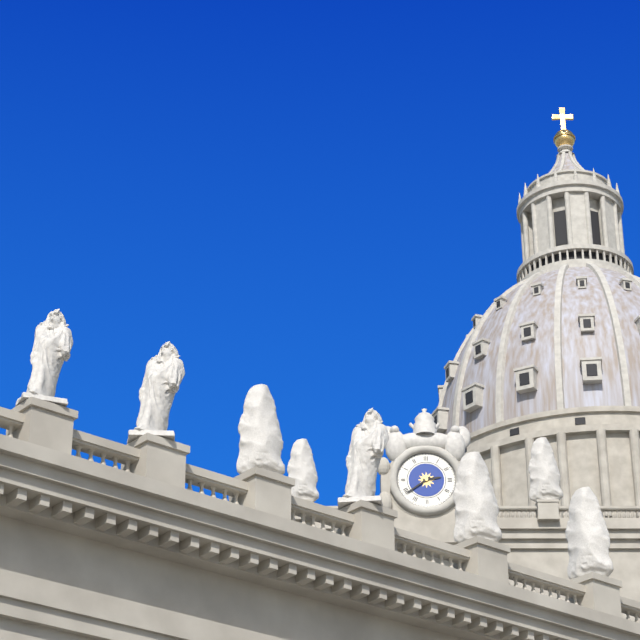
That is 2.39
